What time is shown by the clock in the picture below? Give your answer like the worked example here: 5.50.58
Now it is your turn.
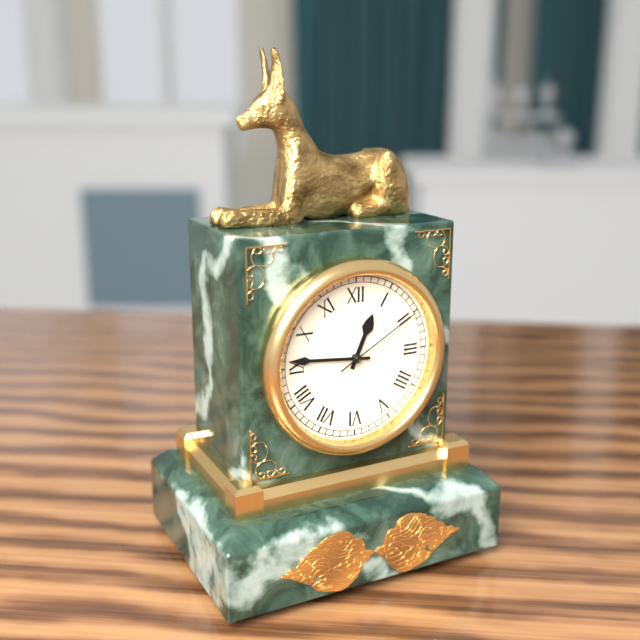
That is 12.46.10
